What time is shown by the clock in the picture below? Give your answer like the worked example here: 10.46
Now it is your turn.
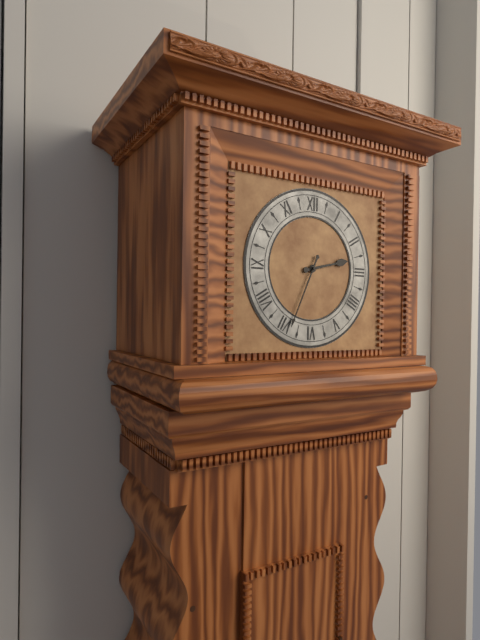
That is 2.34
